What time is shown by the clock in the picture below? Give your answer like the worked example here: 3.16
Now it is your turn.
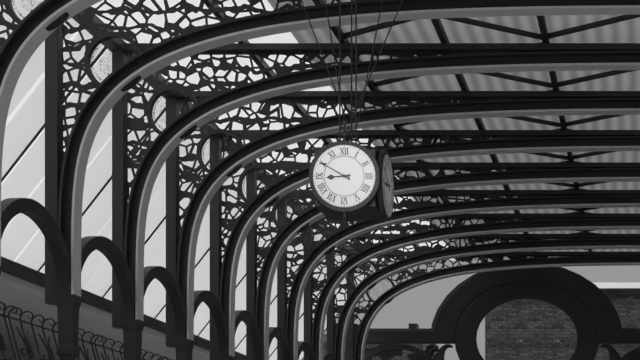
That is 8.50
